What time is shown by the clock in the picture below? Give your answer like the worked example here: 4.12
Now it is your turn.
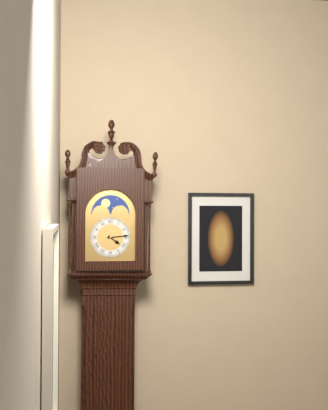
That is 4.14
